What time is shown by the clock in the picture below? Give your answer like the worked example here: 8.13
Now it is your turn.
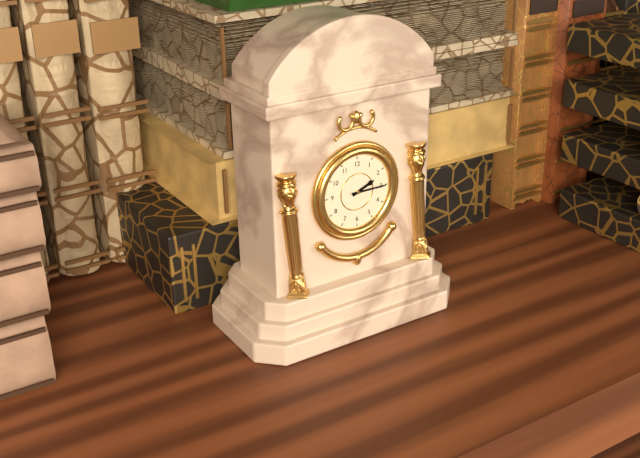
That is 2.15
